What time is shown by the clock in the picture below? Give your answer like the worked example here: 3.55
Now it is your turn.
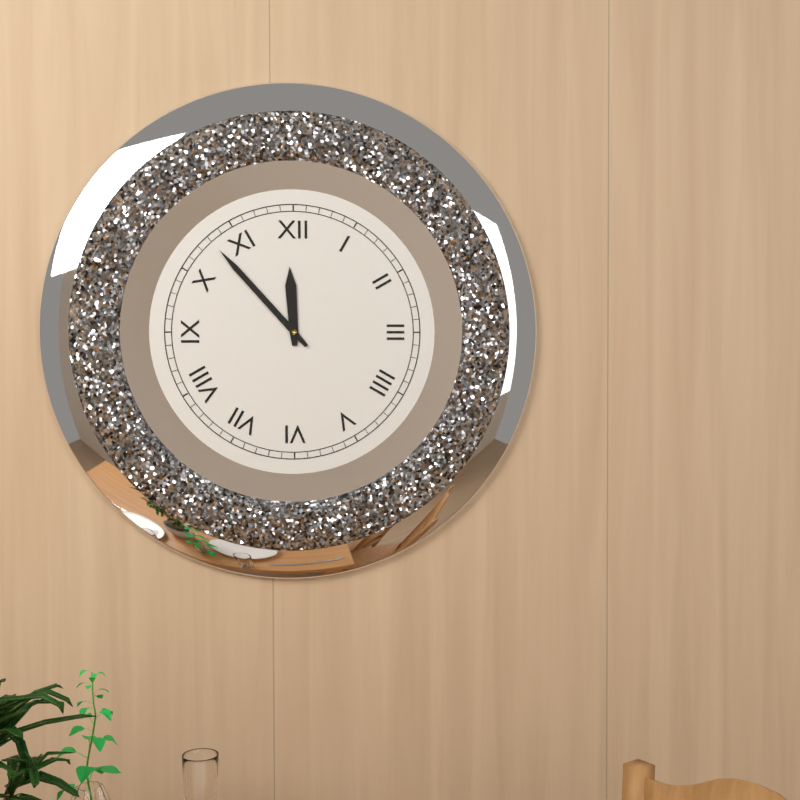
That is 11.53
